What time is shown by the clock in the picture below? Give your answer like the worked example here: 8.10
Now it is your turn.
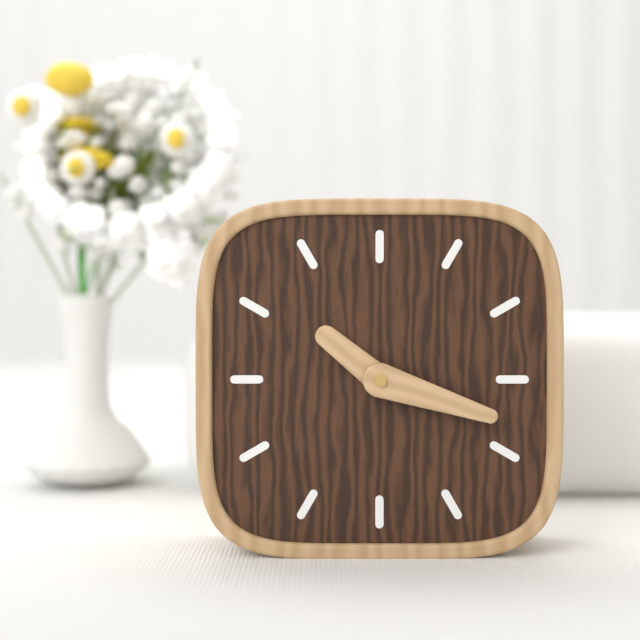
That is 10.18
